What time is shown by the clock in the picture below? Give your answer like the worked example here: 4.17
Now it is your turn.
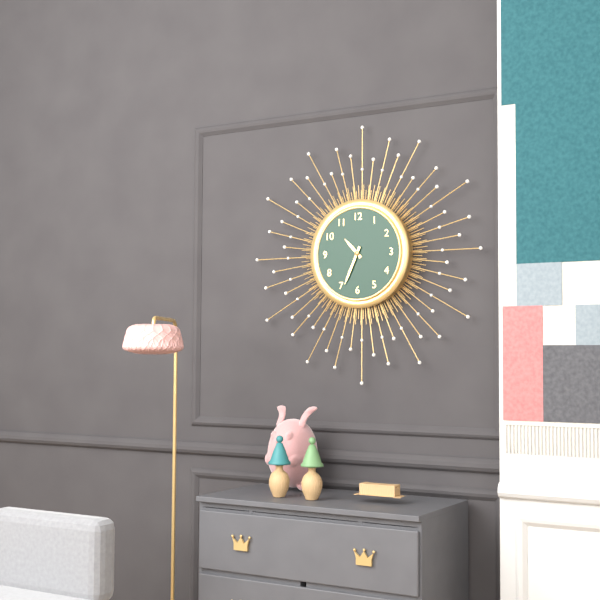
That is 10.34
